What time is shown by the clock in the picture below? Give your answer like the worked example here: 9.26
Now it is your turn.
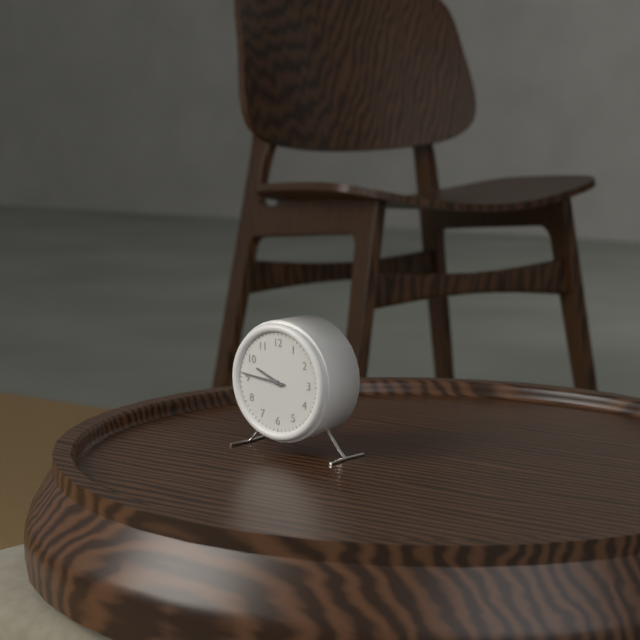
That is 9.46
